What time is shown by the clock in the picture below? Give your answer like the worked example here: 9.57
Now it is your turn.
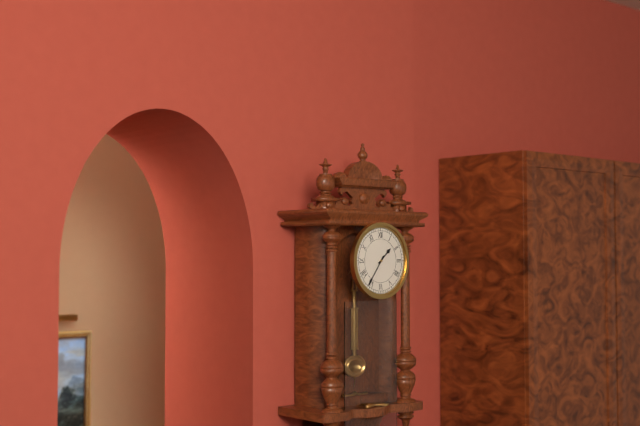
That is 1.36
